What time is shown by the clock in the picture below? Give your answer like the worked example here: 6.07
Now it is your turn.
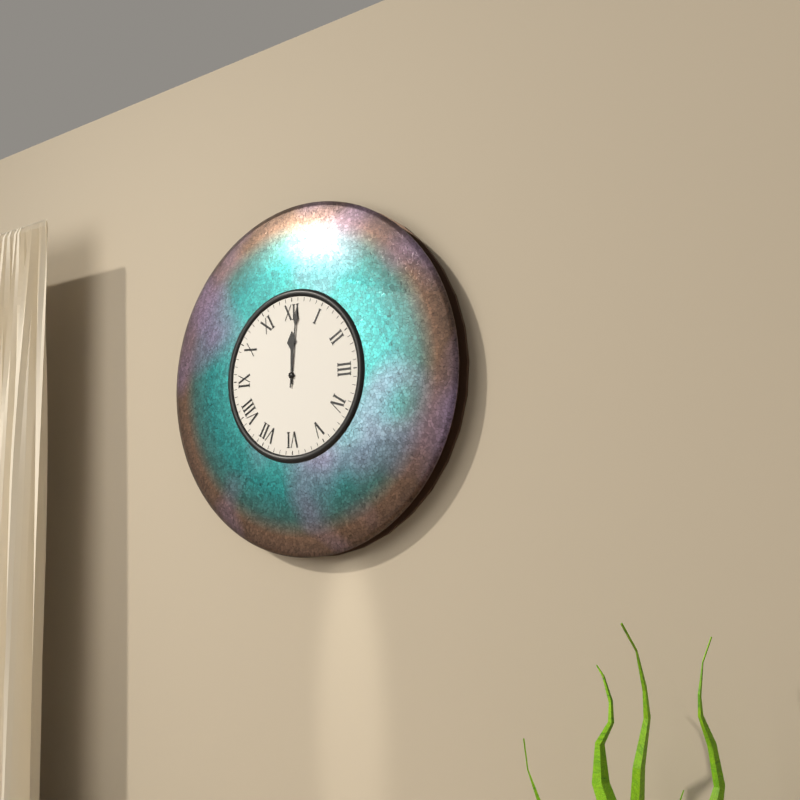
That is 12.01
